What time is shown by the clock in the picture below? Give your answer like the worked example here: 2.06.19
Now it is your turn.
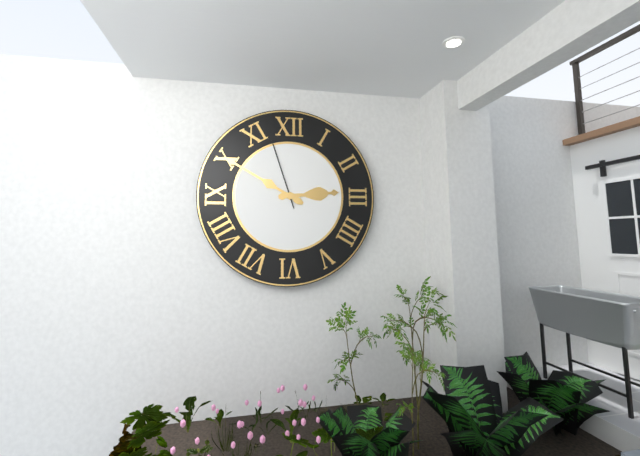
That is 2.50.57
